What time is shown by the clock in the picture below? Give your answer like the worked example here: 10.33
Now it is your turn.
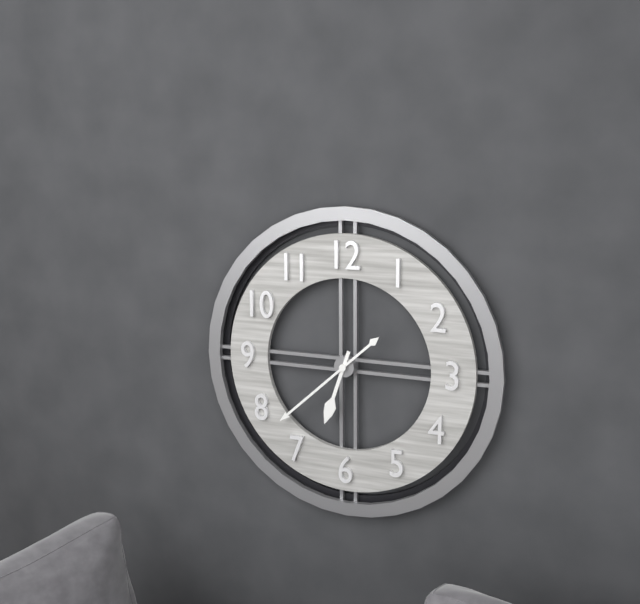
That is 6.38
